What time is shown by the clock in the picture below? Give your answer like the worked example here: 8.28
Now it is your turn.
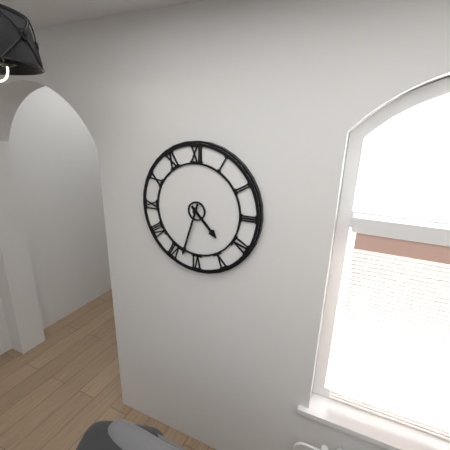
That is 4.33
